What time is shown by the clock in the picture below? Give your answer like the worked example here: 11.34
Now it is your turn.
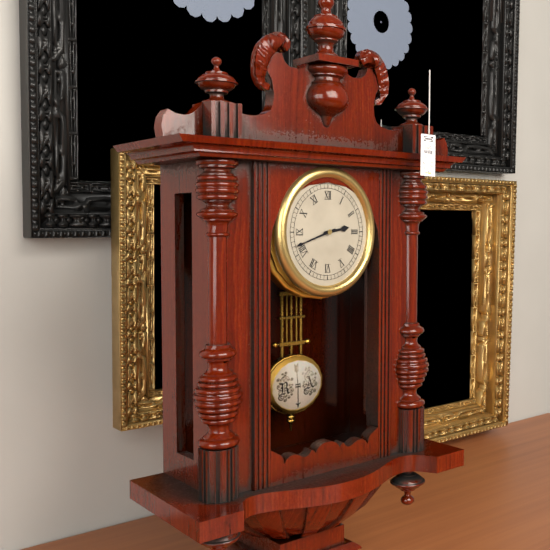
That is 2.42
